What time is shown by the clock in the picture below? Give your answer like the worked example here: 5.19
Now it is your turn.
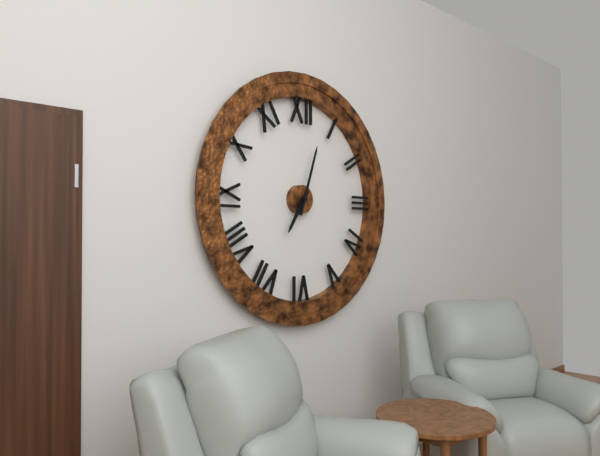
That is 7.03
